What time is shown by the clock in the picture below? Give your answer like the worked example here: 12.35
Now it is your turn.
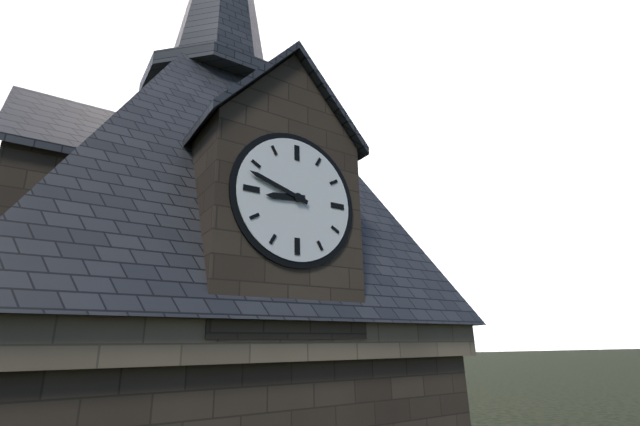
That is 8.48
